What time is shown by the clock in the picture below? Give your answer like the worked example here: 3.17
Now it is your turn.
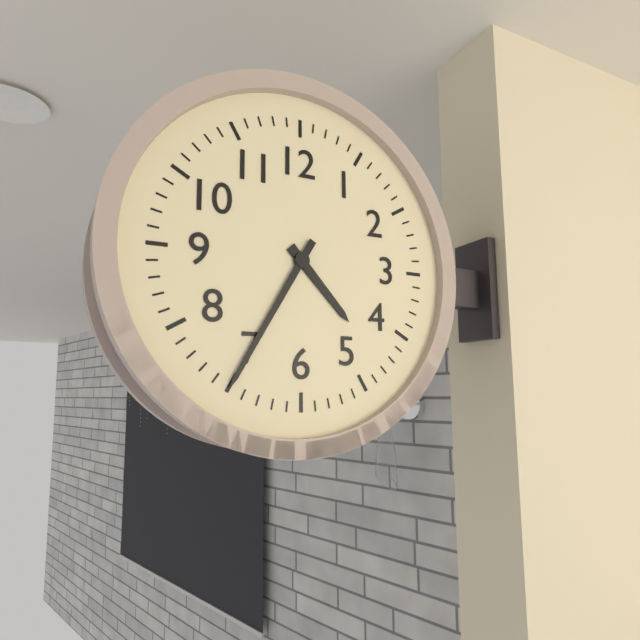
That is 4.35
